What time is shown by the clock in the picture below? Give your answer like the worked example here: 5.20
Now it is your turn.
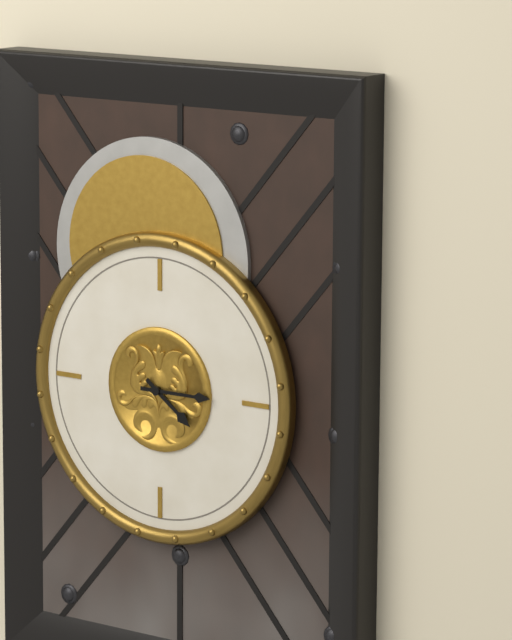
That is 4.15
